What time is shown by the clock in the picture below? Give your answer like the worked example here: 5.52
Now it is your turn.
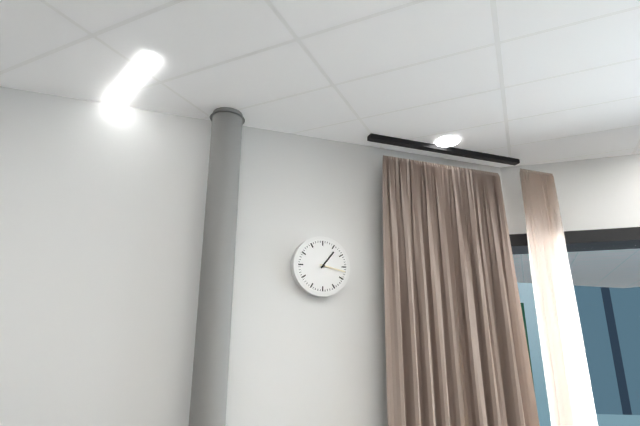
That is 1.17
